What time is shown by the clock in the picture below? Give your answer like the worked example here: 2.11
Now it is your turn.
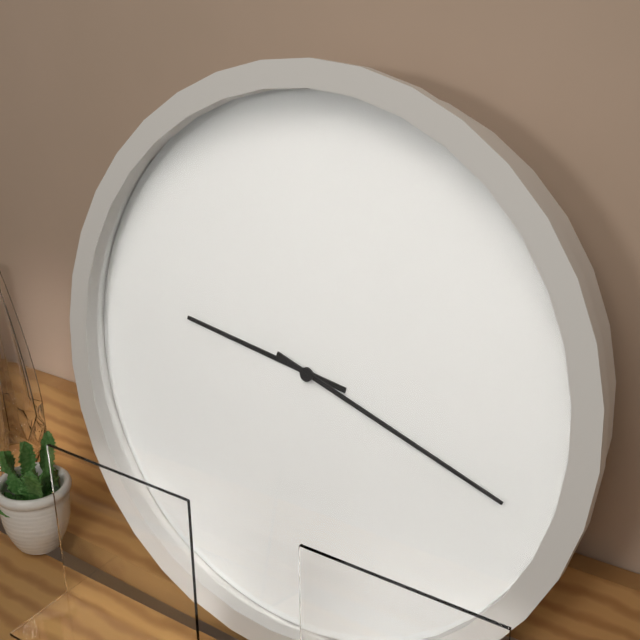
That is 9.18
